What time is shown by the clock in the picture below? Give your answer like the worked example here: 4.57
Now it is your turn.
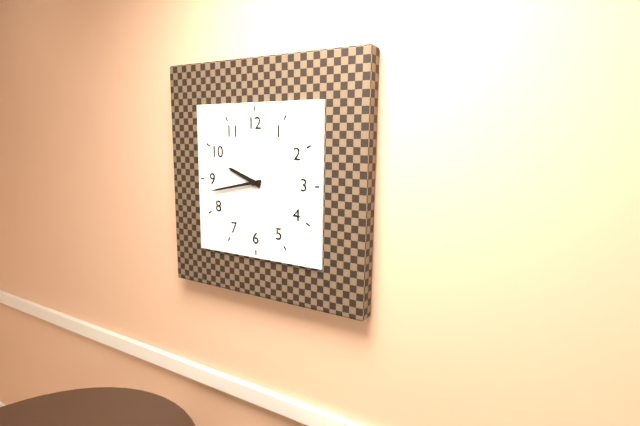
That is 9.43
